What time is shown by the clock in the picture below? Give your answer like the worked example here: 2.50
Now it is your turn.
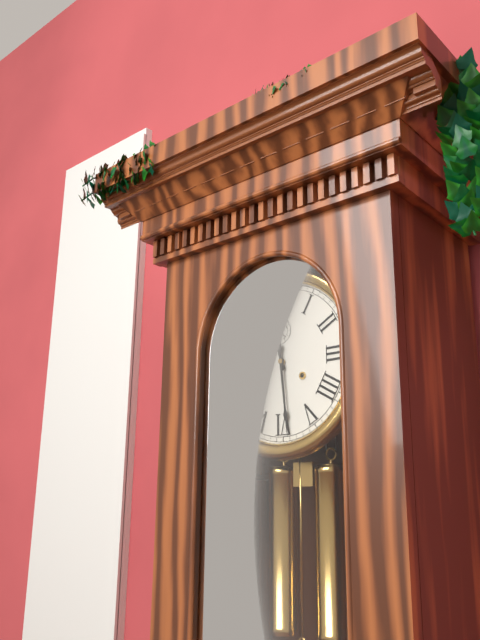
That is 11.29
